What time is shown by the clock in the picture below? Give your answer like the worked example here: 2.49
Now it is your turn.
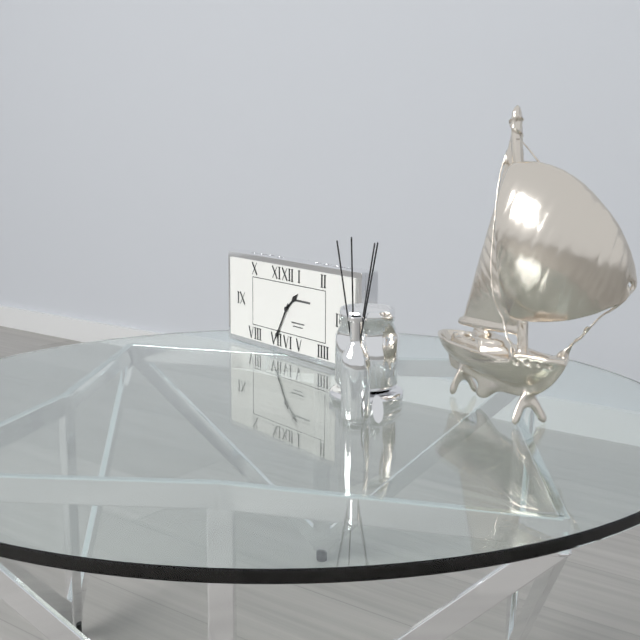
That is 1.35
